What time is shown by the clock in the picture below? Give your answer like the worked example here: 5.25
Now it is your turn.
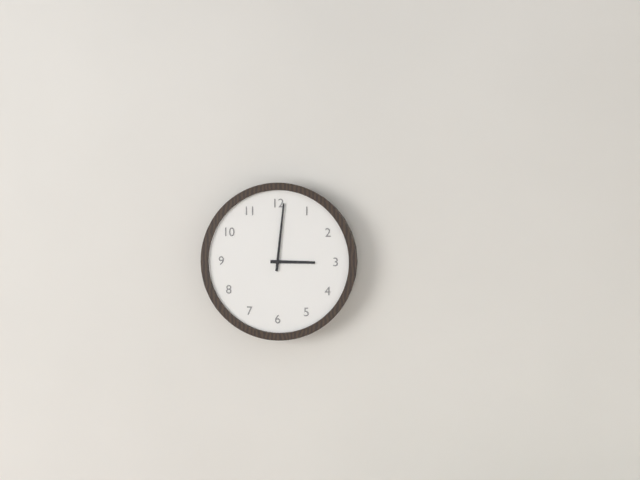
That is 3.01
